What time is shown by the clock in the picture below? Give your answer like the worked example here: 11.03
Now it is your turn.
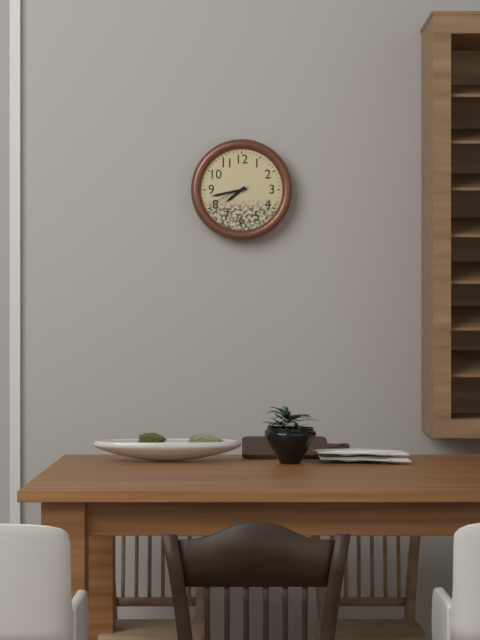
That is 7.43
